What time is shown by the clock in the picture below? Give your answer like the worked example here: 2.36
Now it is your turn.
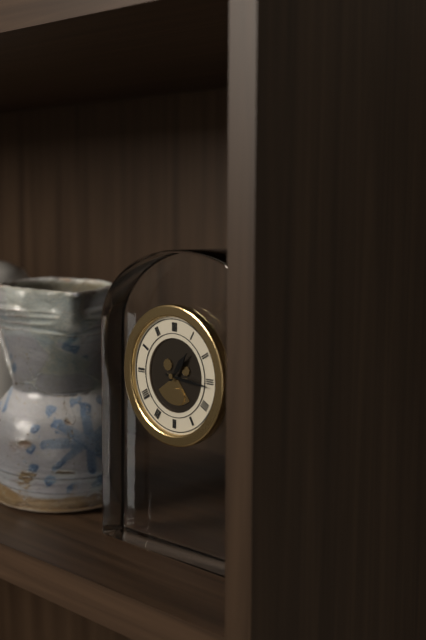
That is 1.16
